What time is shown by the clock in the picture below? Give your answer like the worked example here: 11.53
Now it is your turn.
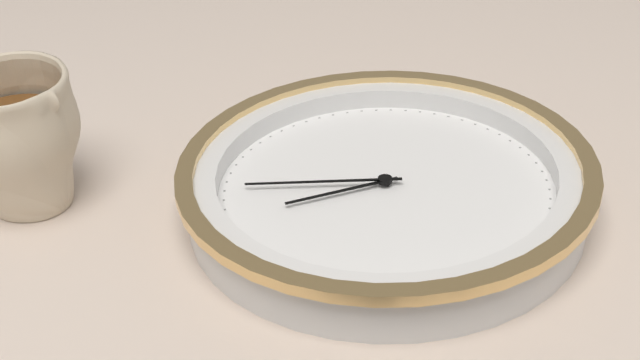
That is 1.09
